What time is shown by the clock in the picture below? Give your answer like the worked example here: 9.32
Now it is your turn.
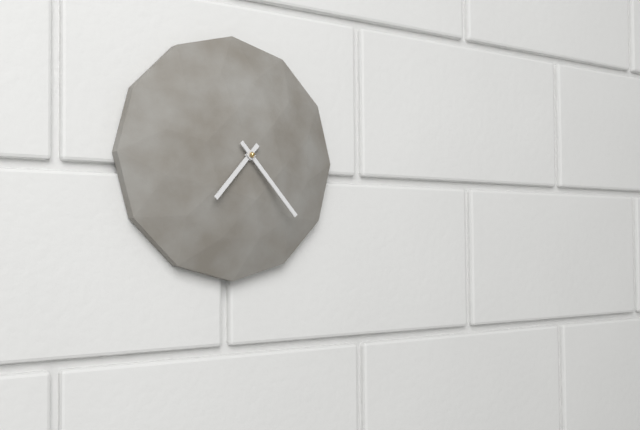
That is 7.23
